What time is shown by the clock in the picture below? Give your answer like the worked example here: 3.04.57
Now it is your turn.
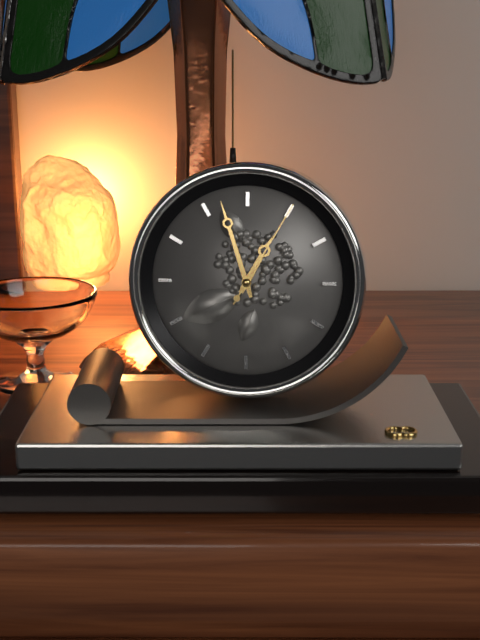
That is 12.57.05
